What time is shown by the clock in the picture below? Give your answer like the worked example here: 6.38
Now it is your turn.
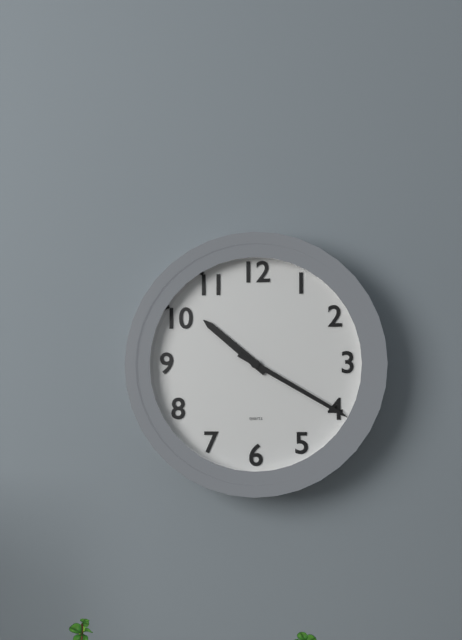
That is 10.20
